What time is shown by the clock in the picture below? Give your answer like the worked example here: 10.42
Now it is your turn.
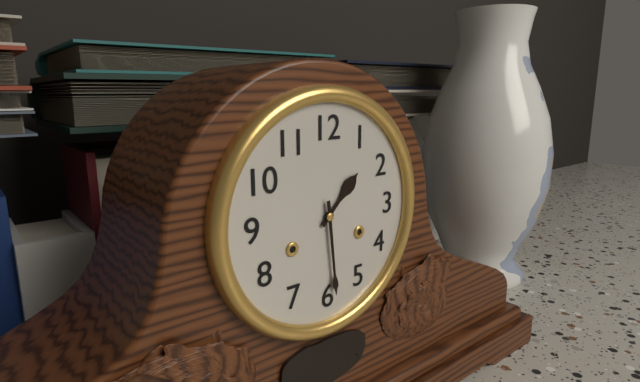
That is 1.29
